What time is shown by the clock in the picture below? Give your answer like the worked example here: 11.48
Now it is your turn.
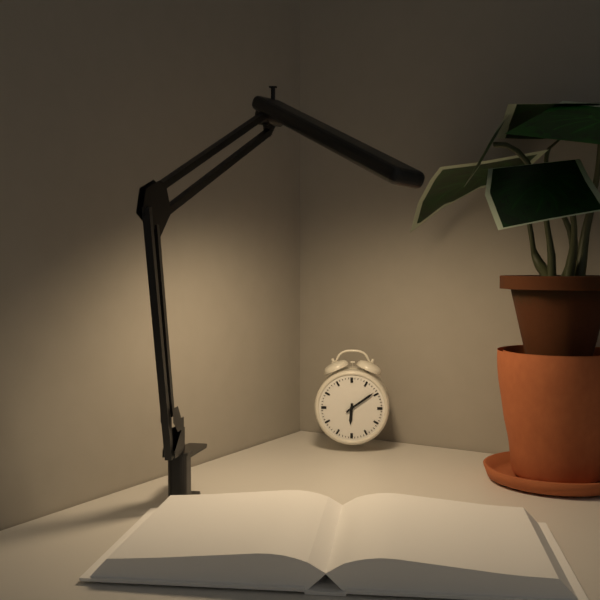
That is 6.09
